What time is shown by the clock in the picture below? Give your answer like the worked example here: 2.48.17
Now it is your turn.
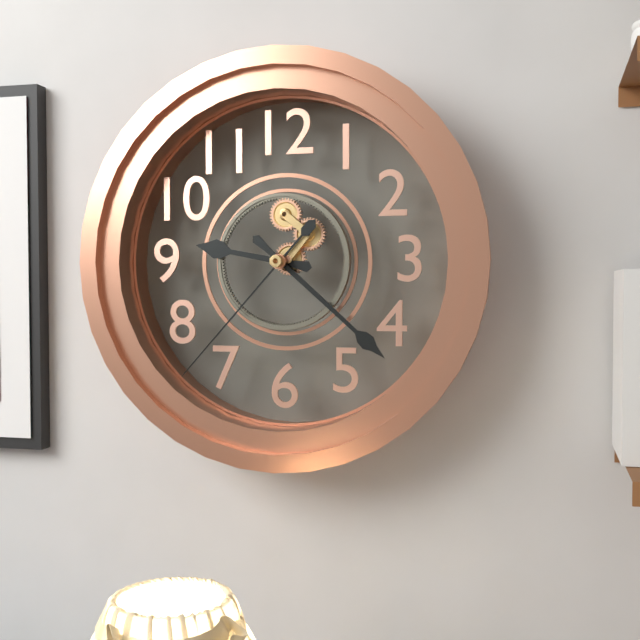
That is 9.22.37
